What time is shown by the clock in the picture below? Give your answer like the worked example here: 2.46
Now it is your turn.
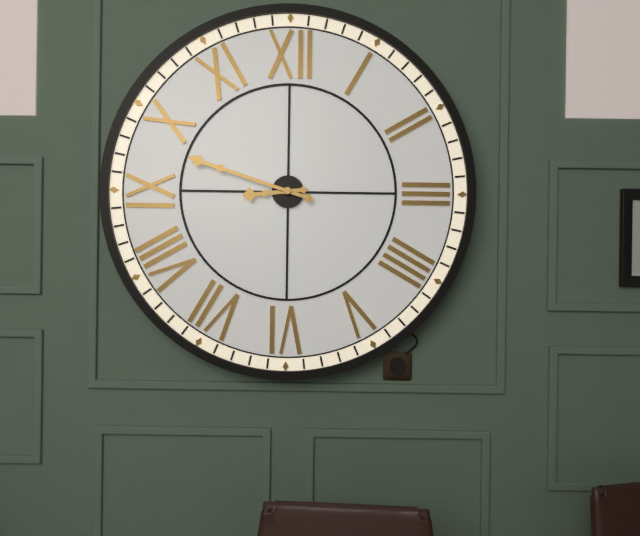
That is 8.48
